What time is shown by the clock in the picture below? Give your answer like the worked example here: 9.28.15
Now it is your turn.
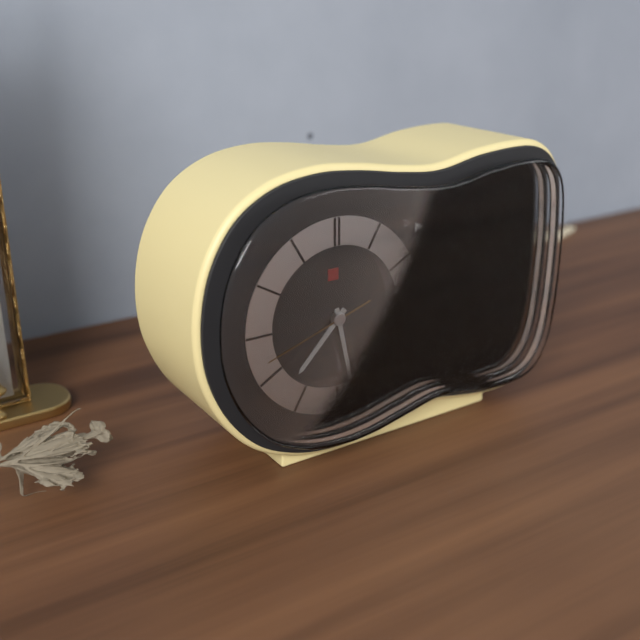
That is 7.28.42
